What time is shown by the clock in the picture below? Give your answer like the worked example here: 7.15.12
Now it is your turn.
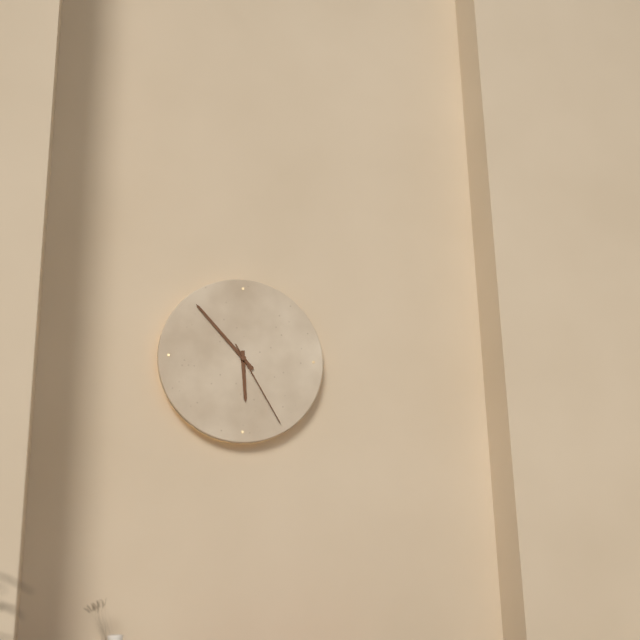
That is 5.53.25
